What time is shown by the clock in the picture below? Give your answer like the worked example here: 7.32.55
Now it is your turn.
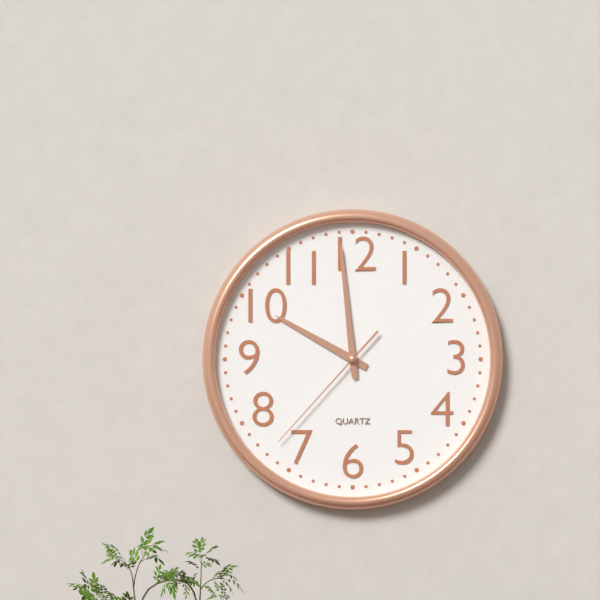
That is 9.59.37
